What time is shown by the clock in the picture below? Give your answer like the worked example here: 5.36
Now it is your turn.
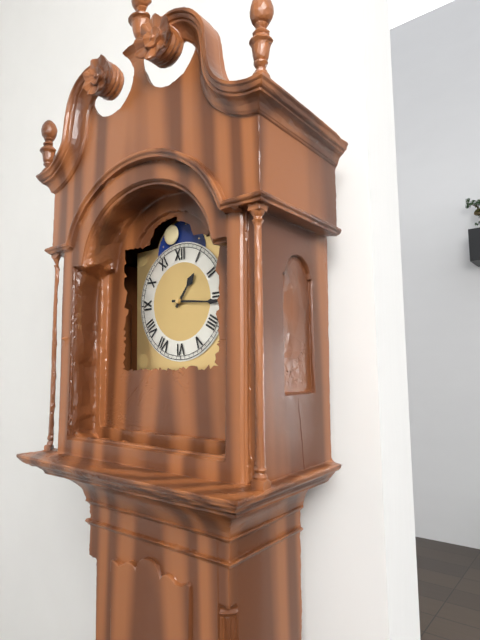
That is 1.16
